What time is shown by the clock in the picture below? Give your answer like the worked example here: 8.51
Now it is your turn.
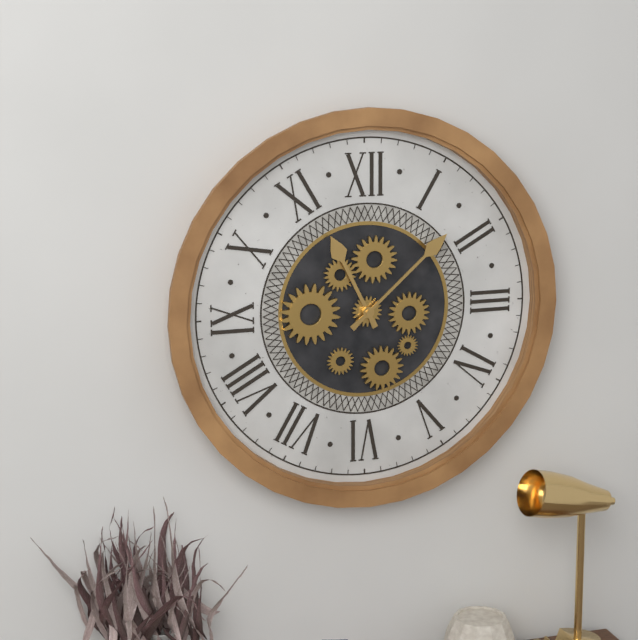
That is 11.08
